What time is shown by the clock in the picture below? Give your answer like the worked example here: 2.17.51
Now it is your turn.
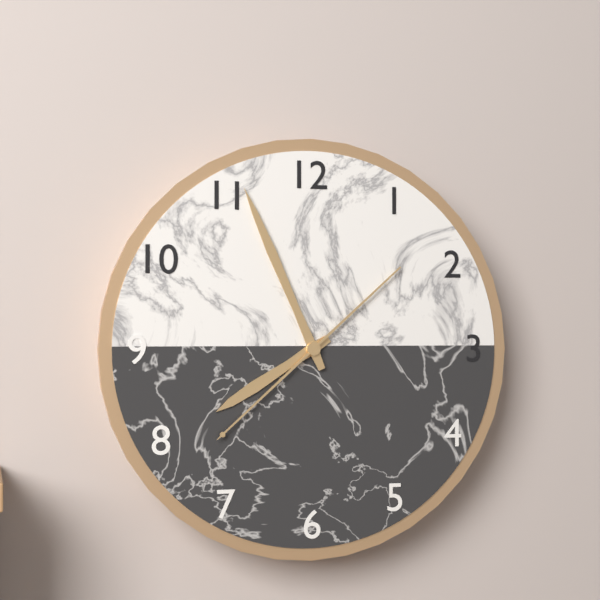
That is 7.56.38
